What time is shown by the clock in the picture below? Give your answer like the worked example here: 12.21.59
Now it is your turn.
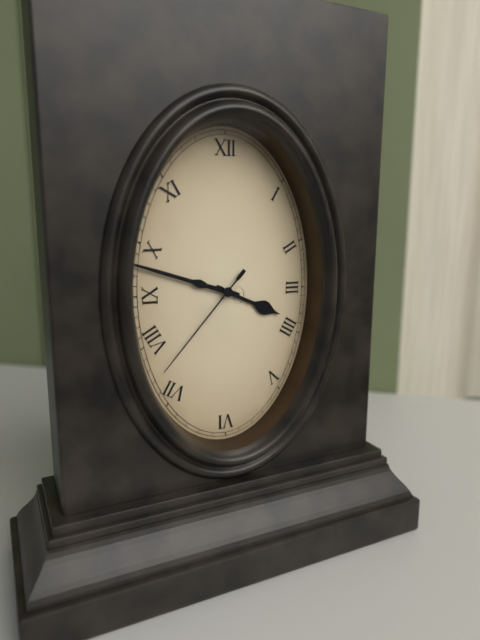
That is 3.48.37
